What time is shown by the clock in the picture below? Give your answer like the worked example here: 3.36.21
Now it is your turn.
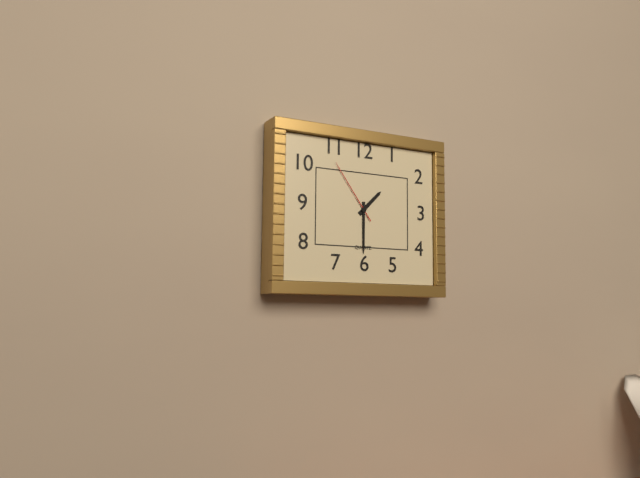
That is 1.30.54
